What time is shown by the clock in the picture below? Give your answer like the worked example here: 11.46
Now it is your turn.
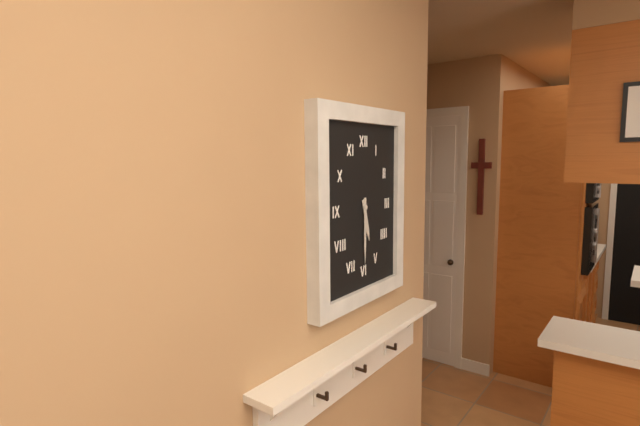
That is 5.30
